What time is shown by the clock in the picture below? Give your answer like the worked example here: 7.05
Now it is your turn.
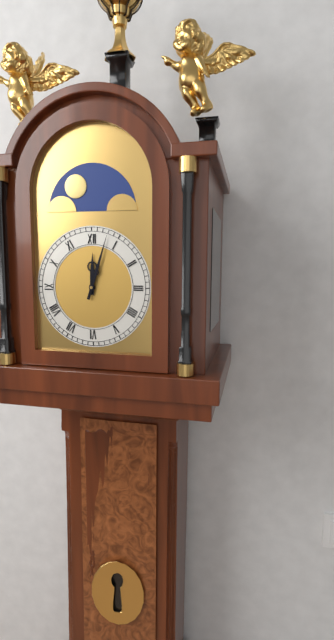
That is 12.03
